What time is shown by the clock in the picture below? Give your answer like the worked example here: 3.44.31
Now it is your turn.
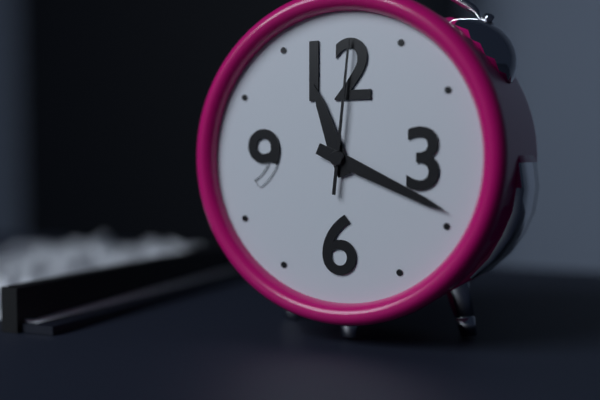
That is 11.19.01
